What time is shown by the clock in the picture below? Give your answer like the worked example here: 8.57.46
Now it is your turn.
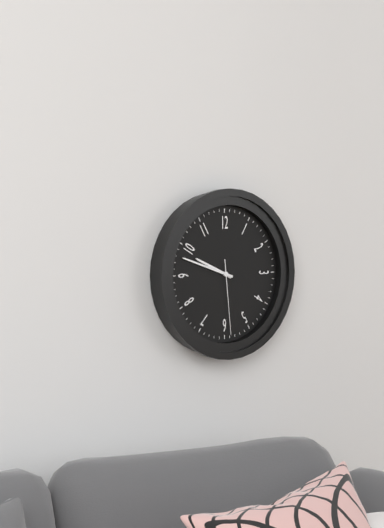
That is 9.48.29
